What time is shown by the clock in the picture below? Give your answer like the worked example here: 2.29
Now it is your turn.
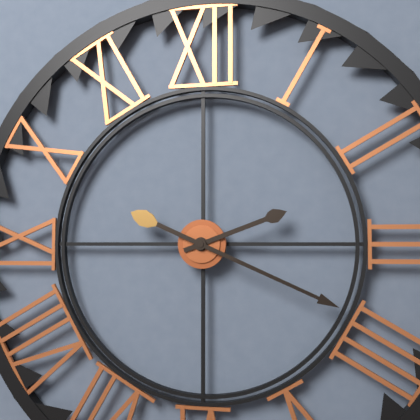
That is 2.19
